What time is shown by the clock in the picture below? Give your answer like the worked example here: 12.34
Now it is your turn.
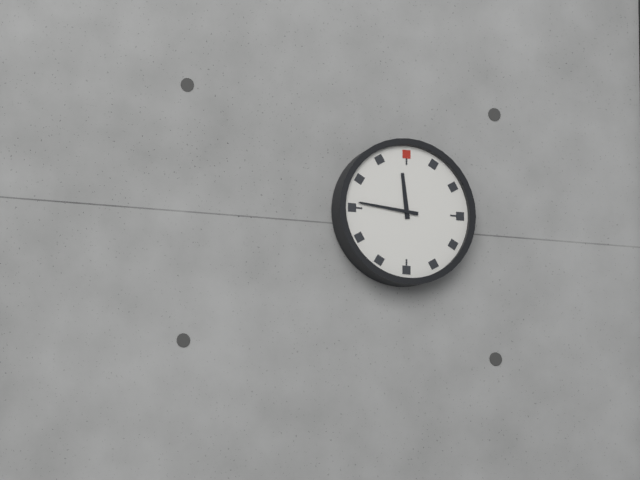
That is 11.46
